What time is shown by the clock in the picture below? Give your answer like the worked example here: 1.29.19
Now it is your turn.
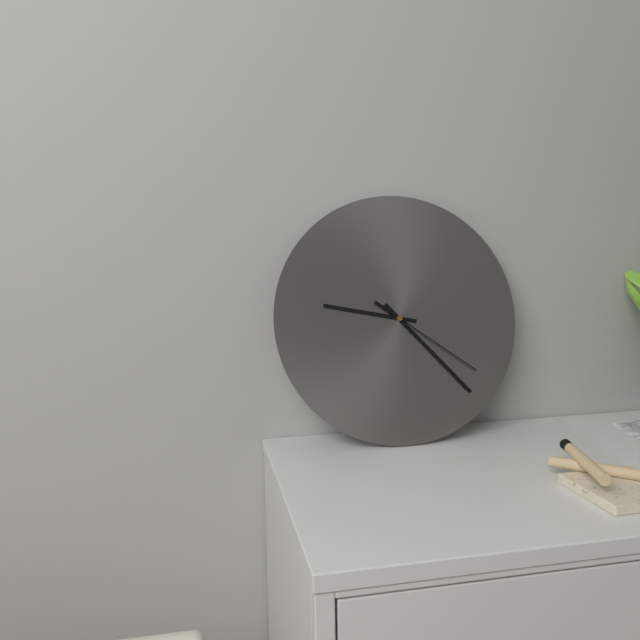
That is 9.23.21
